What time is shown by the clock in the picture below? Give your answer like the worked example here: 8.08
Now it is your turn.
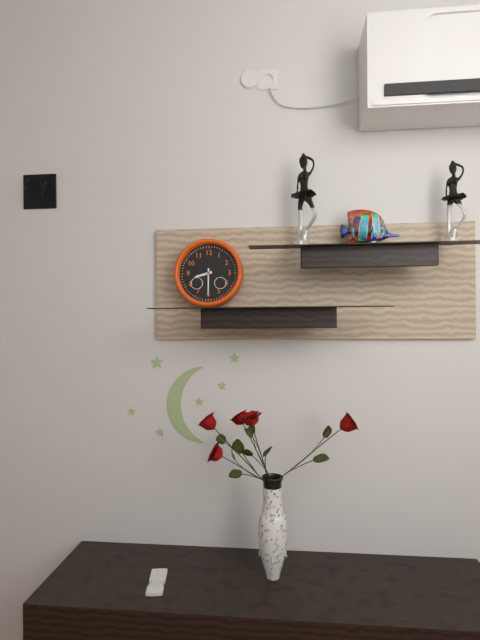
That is 8.30
